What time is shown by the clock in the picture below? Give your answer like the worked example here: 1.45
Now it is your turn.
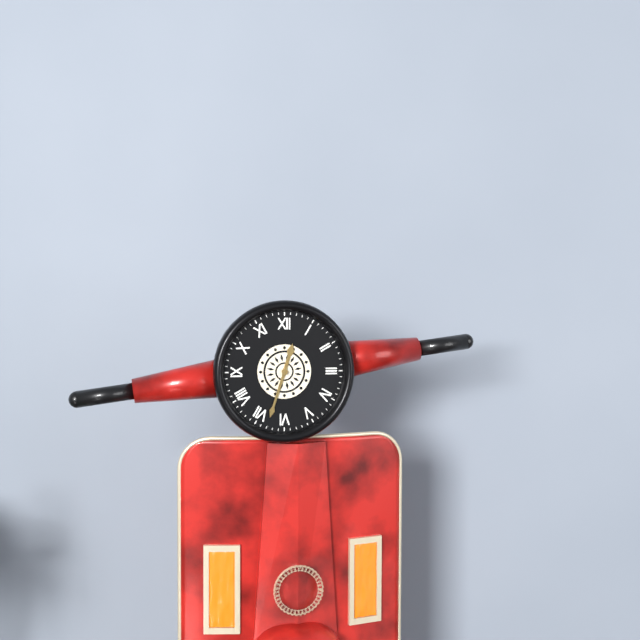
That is 12.33
